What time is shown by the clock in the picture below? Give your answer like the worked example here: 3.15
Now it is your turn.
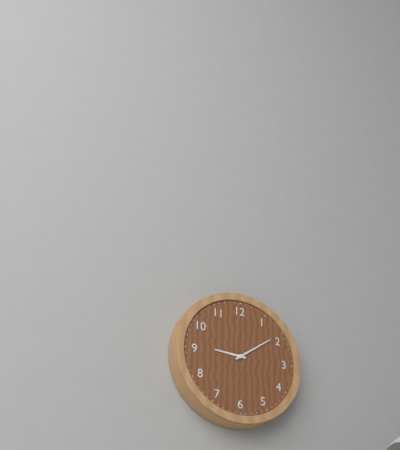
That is 9.09
